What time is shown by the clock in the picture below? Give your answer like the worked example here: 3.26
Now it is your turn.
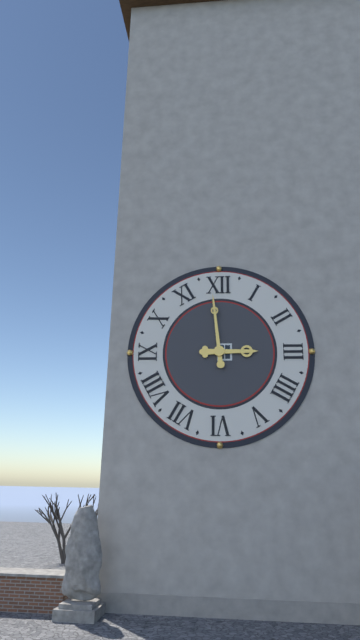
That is 2.59
